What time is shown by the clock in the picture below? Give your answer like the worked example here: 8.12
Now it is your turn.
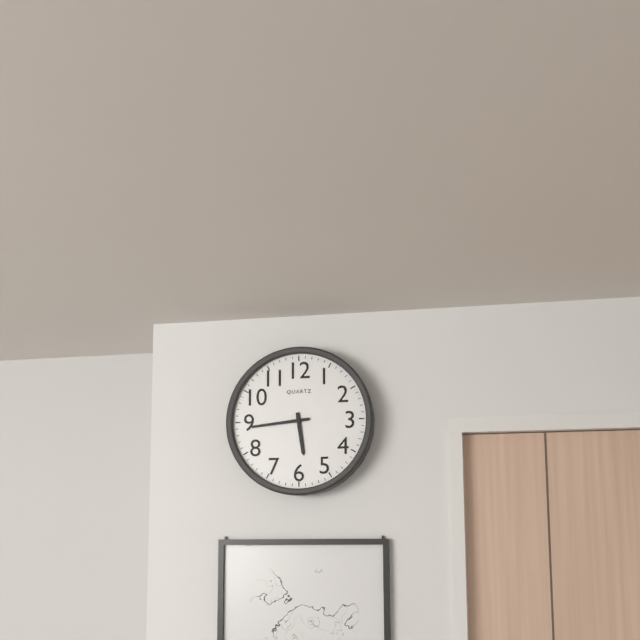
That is 5.44
